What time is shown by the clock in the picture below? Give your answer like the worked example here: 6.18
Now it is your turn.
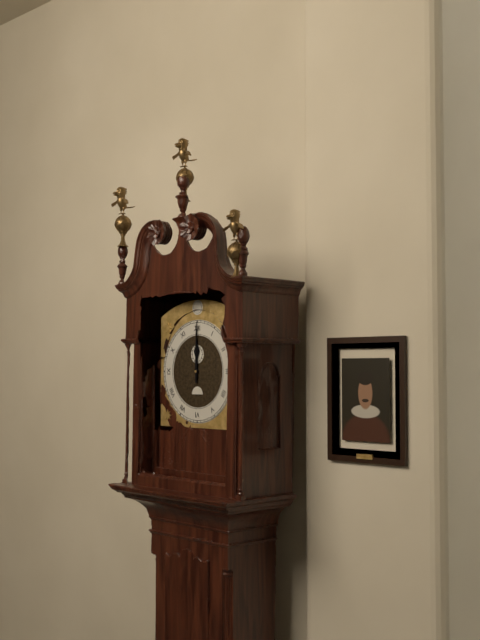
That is 12.00
